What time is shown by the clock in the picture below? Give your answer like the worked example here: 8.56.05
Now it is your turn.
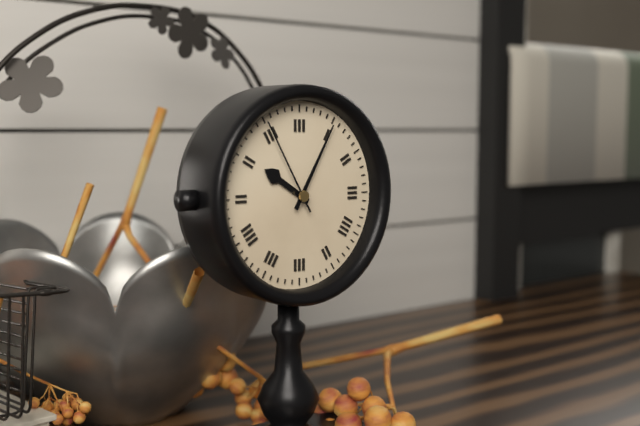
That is 10.05.55
